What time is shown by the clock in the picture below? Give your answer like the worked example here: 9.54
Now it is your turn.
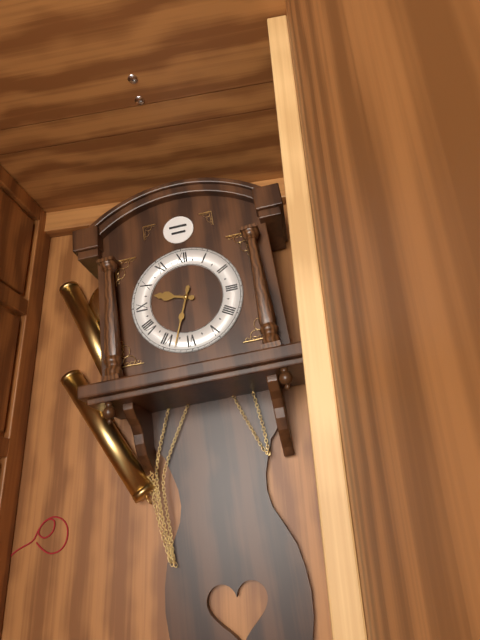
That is 9.33
